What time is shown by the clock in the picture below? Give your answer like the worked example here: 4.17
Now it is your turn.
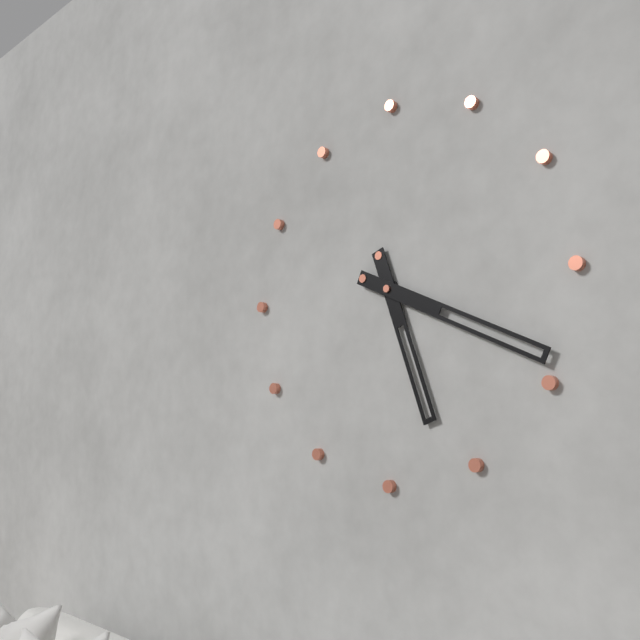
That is 5.19
